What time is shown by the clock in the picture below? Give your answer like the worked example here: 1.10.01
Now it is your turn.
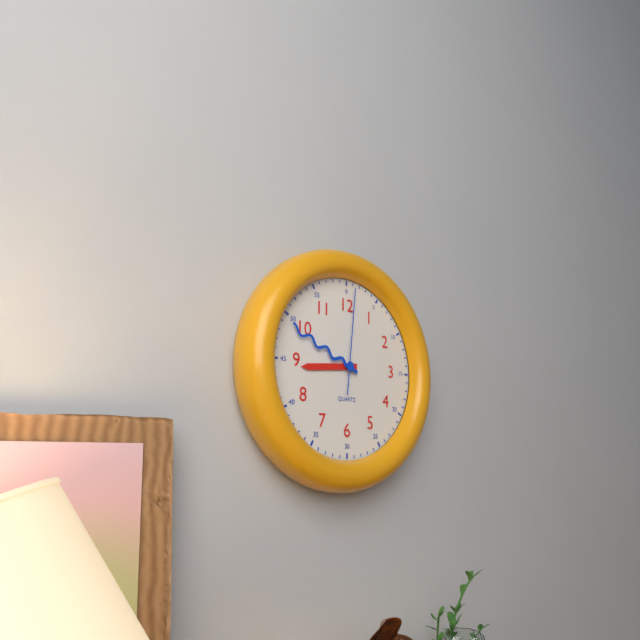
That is 8.49.01
